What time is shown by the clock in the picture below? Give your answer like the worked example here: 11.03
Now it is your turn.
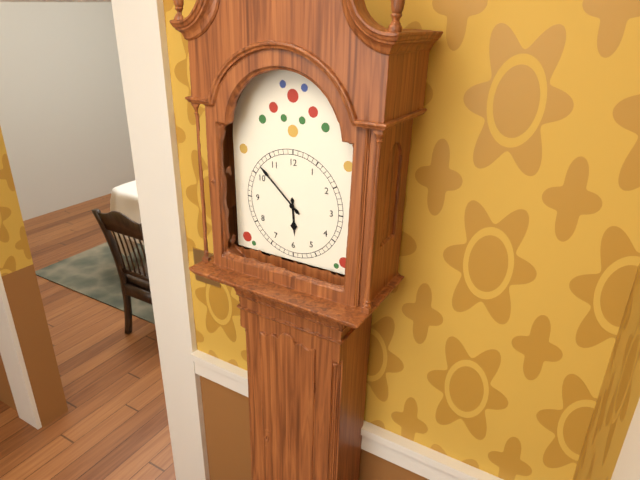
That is 5.52
